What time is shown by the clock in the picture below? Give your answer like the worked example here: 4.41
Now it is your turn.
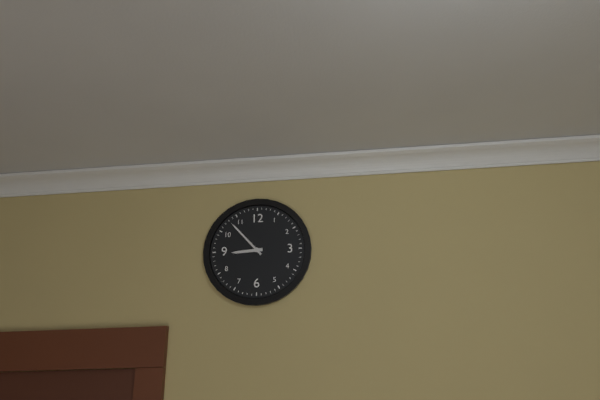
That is 8.53
